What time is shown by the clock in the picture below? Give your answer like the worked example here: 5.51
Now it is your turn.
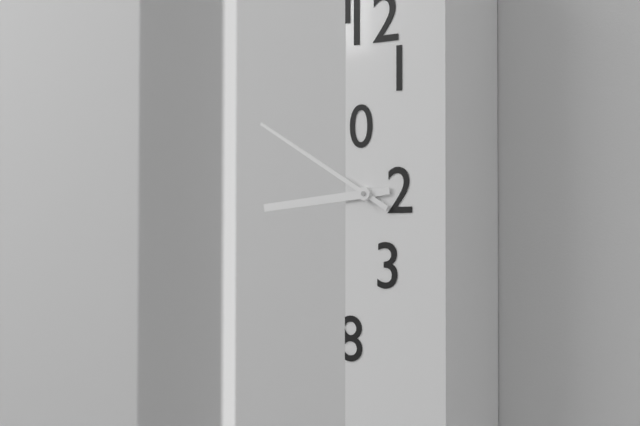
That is 8.50
